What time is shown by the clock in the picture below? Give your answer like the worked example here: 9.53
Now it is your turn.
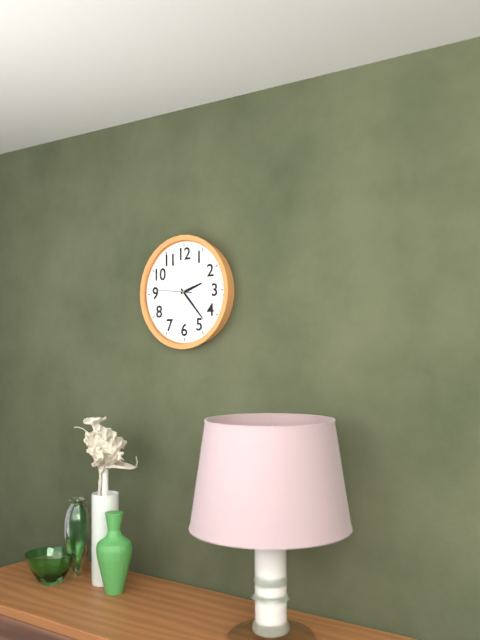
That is 2.23
